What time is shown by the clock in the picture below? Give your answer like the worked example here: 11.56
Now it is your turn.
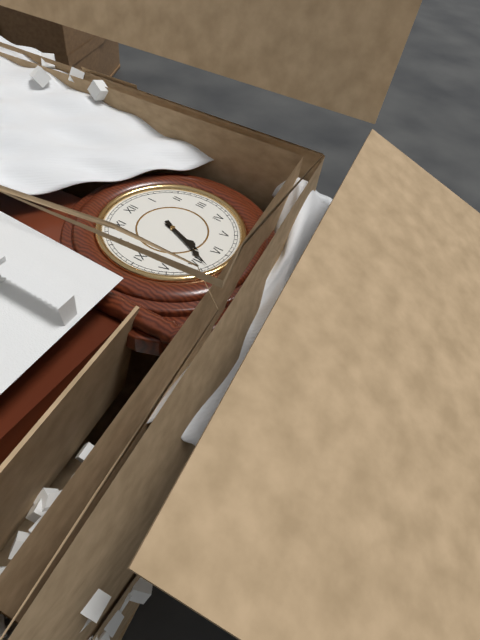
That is 6.34
